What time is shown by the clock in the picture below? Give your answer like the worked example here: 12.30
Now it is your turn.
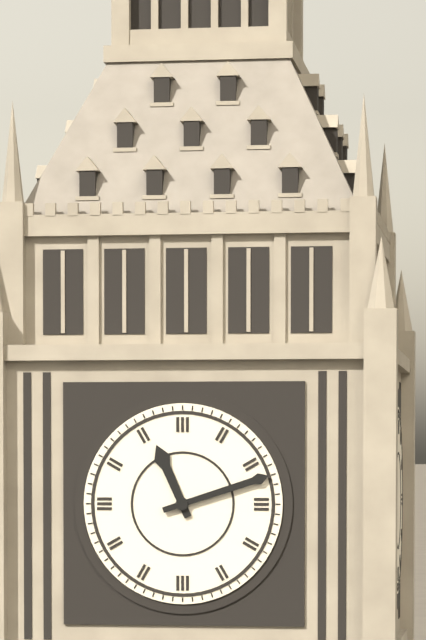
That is 11.12
